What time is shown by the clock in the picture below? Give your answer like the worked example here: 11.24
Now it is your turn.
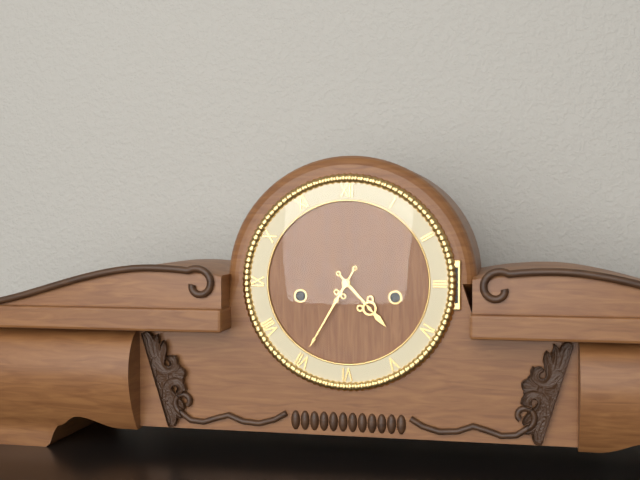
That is 4.35
